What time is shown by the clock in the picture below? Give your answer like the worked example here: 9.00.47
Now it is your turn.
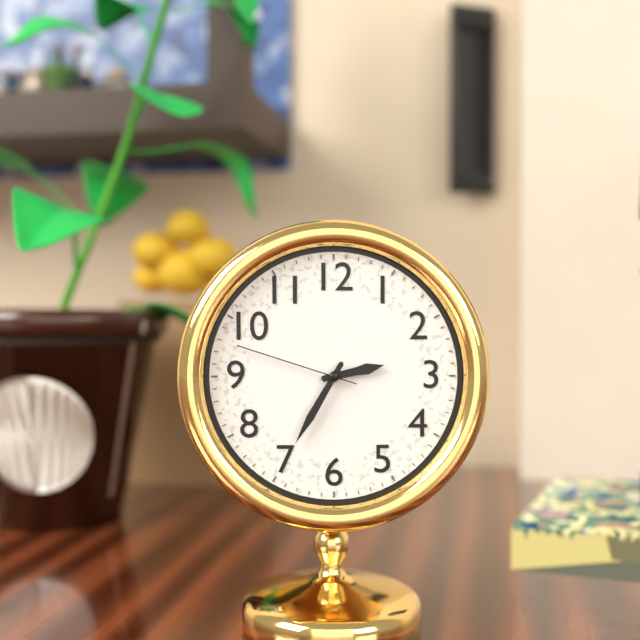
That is 2.35.48
